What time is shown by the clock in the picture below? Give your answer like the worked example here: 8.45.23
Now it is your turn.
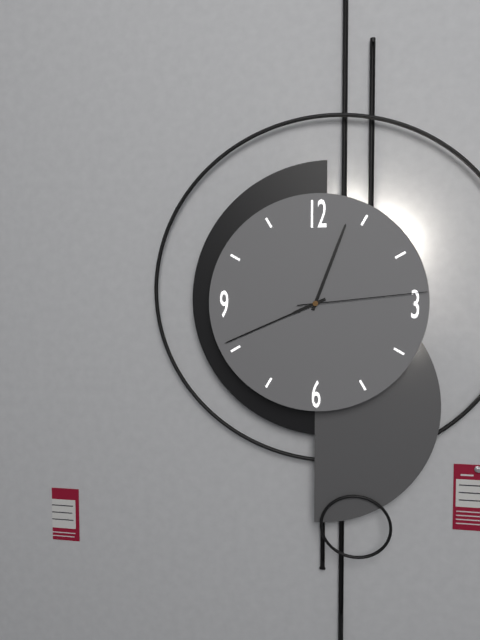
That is 12.41.14
